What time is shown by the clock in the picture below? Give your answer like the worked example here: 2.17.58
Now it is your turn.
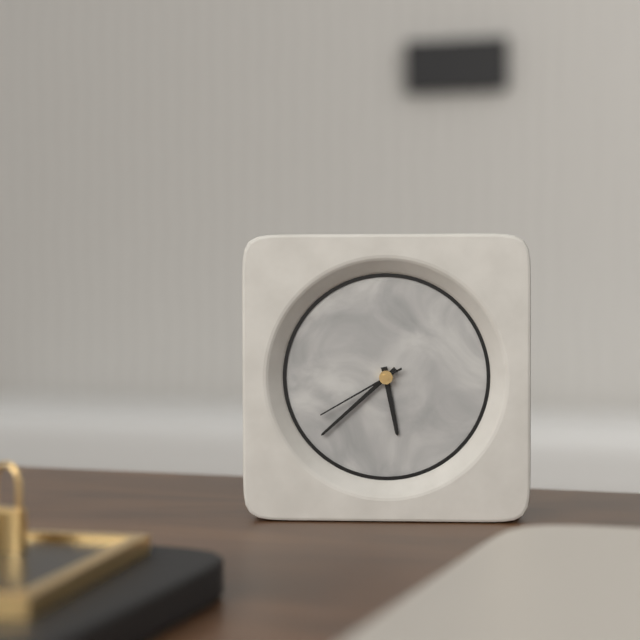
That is 5.38.40
